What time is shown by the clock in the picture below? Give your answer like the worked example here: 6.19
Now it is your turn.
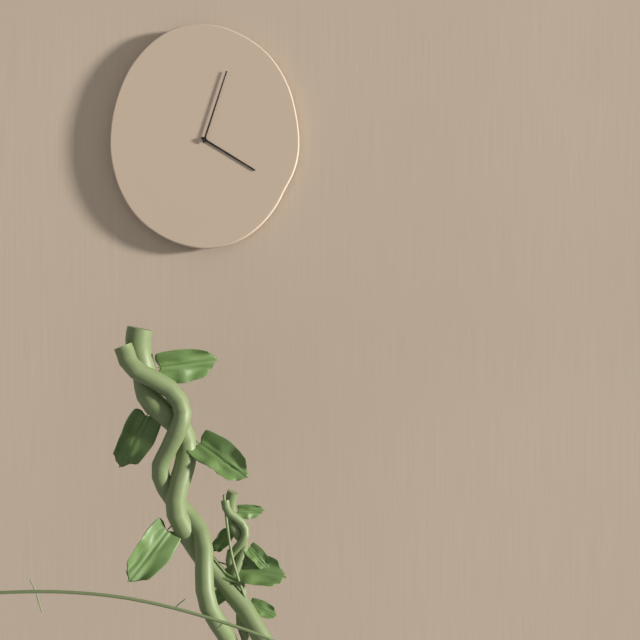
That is 4.03
